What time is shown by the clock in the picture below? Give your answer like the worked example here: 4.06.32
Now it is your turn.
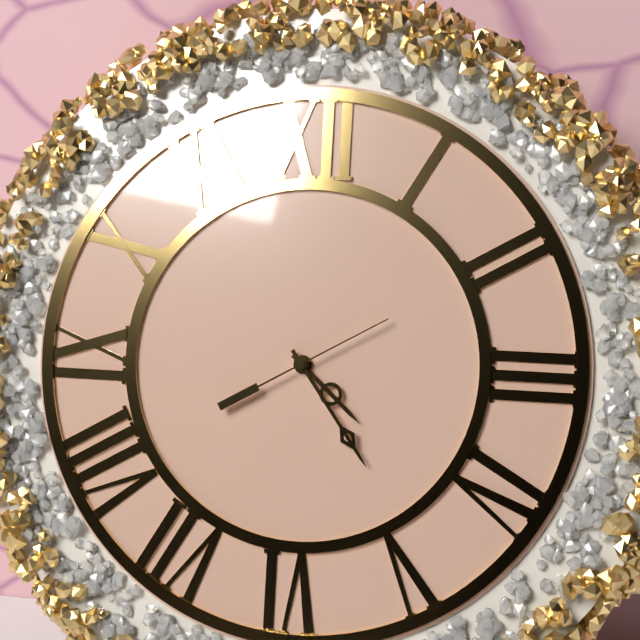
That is 4.24.10
